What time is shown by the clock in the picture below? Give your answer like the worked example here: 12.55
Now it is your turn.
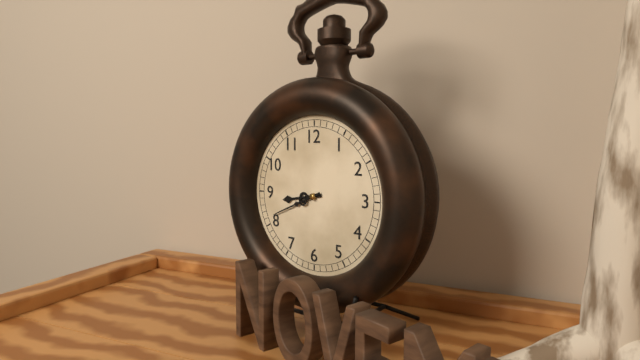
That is 8.41
